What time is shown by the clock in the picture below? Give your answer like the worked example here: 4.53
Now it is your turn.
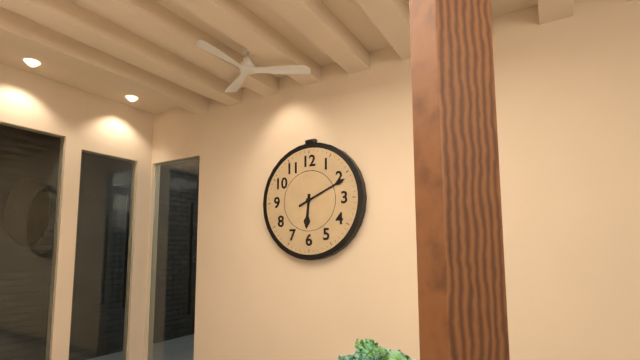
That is 6.11
